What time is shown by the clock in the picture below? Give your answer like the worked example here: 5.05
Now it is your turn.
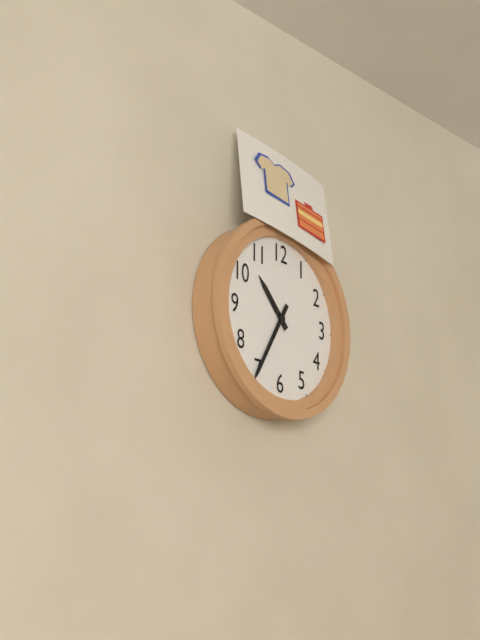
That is 10.35
